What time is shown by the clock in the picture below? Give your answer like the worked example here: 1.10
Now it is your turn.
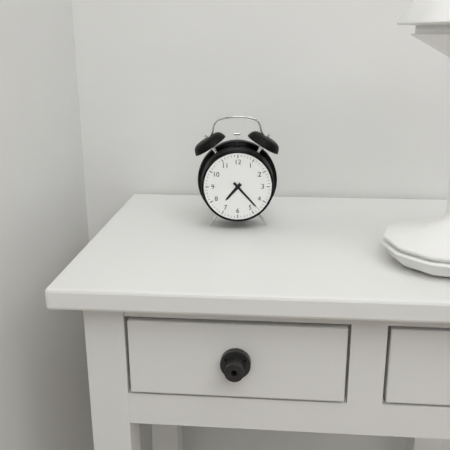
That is 7.23
